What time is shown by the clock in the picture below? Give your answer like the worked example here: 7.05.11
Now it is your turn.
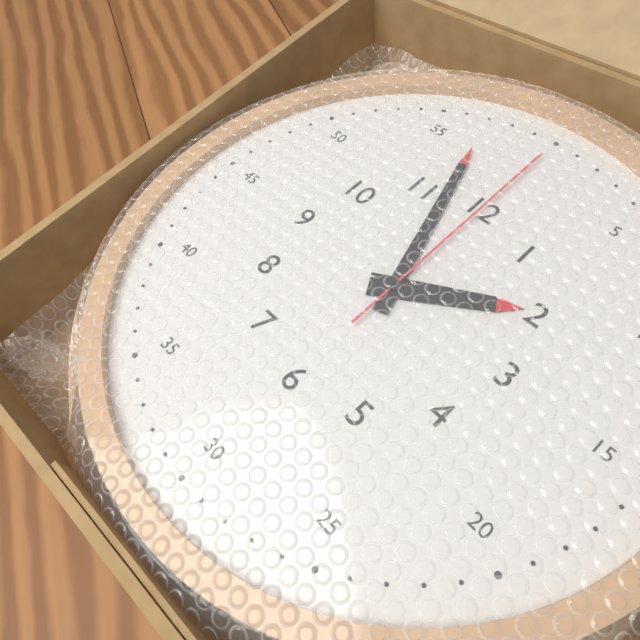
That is 1.57.00
